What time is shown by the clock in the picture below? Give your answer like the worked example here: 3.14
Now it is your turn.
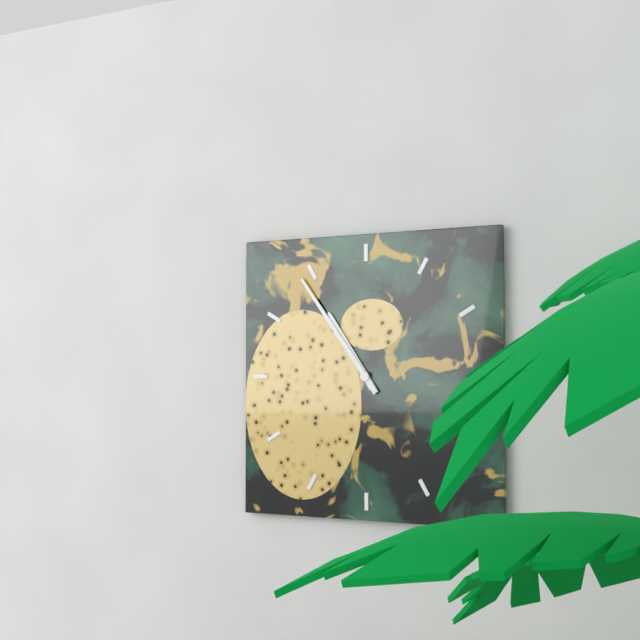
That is 10.54
